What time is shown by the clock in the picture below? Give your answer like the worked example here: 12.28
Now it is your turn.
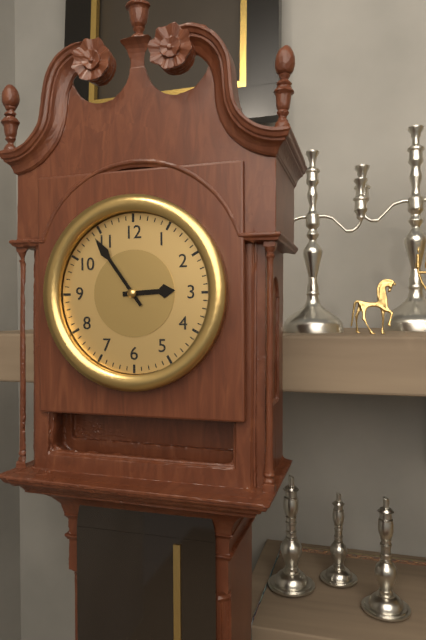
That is 2.54
